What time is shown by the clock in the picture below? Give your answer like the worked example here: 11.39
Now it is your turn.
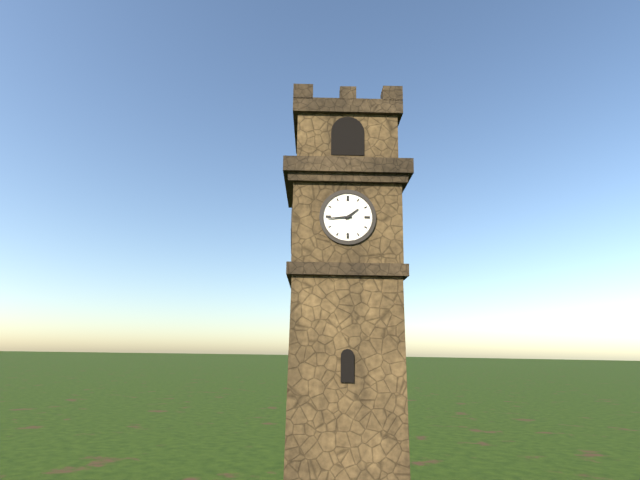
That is 1.44
